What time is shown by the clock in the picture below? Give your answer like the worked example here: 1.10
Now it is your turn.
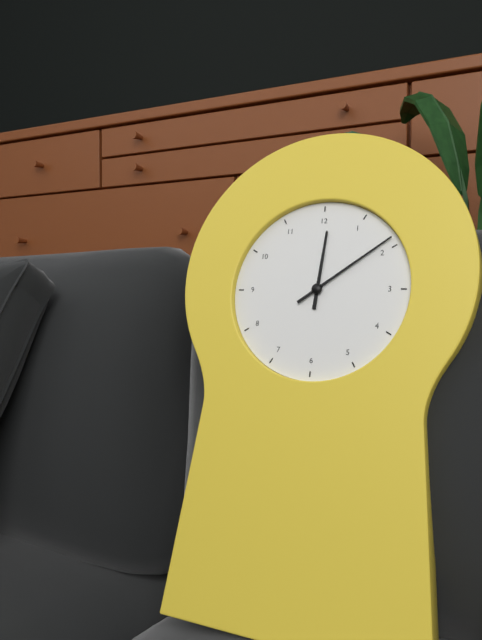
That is 12.09
